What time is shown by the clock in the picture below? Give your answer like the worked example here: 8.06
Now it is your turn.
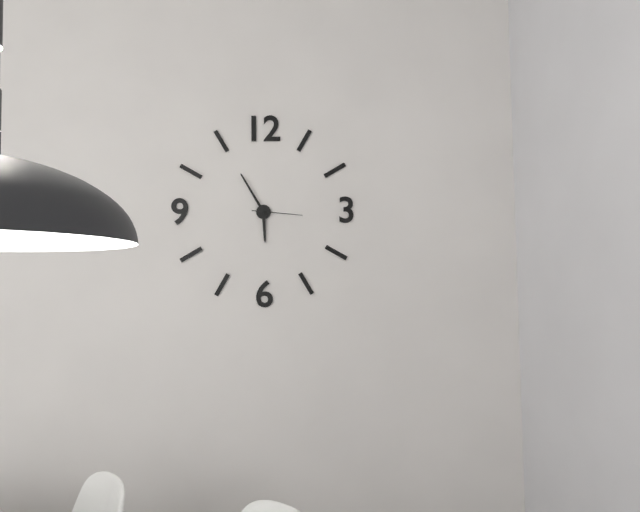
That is 5.55
